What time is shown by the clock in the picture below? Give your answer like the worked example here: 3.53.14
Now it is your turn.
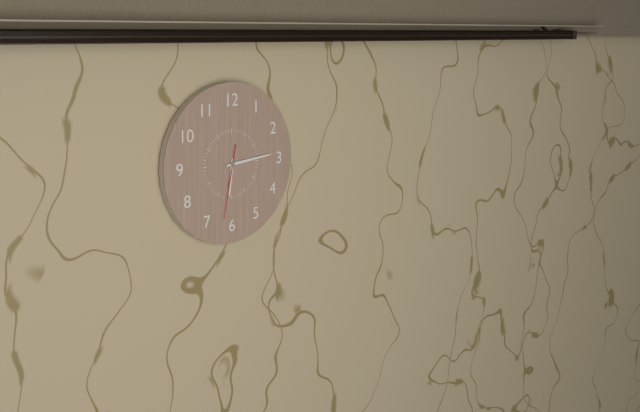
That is 6.14.32
